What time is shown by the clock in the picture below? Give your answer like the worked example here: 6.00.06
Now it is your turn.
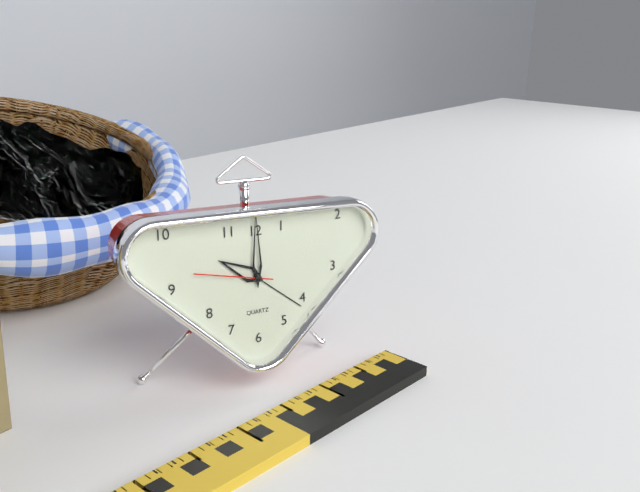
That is 10.00.47
